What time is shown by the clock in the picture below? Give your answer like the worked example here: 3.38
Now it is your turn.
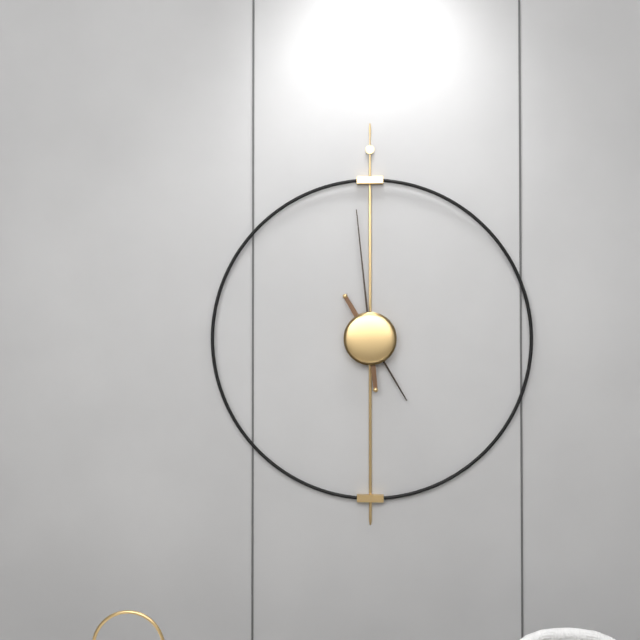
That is 4.59
